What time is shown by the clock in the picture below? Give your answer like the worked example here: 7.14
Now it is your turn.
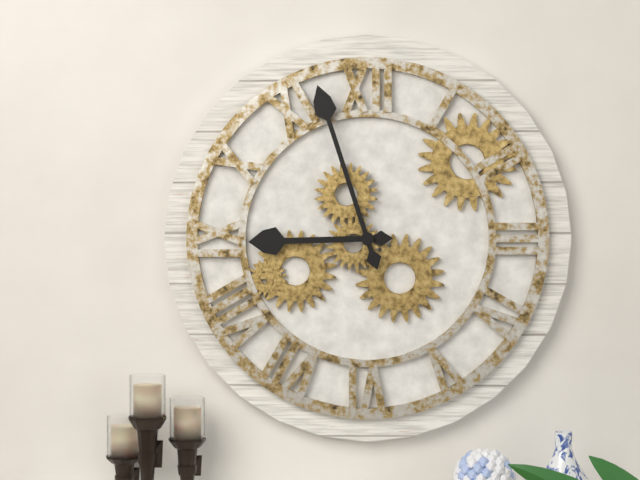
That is 8.57
